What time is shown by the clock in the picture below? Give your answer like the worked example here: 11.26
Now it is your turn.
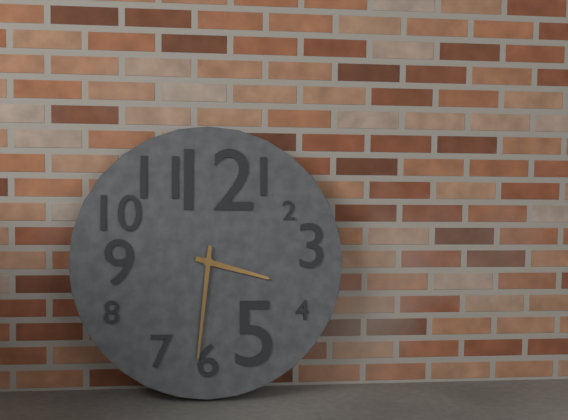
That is 3.31
